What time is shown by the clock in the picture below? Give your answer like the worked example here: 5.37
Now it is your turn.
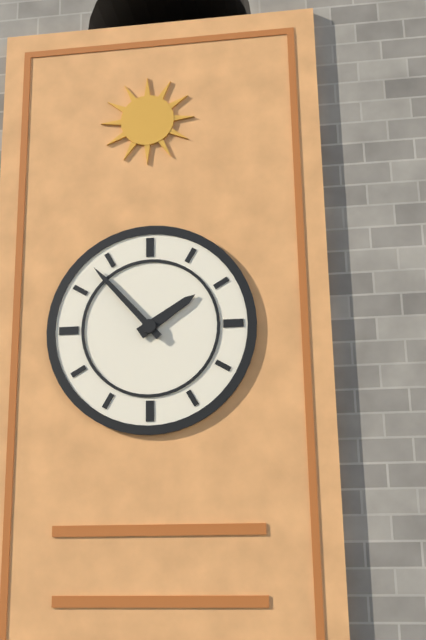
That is 1.53
